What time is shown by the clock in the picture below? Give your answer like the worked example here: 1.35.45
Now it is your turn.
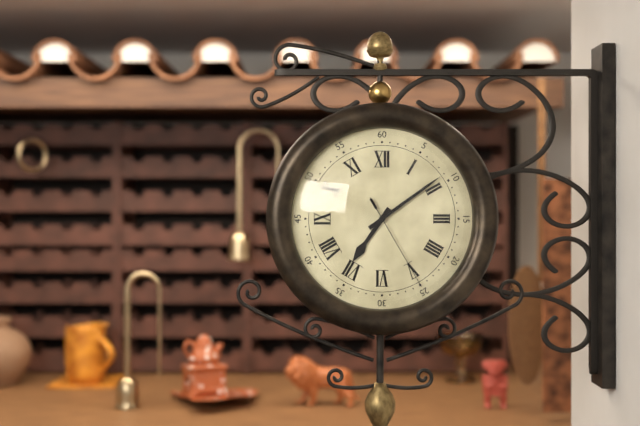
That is 7.09.25
